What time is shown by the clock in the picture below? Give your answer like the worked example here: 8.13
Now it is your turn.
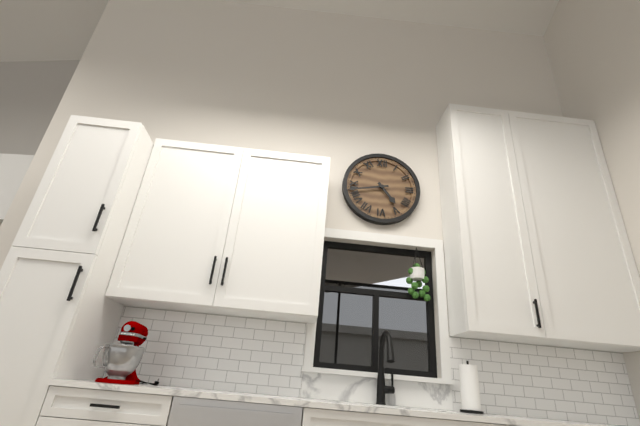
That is 4.43
